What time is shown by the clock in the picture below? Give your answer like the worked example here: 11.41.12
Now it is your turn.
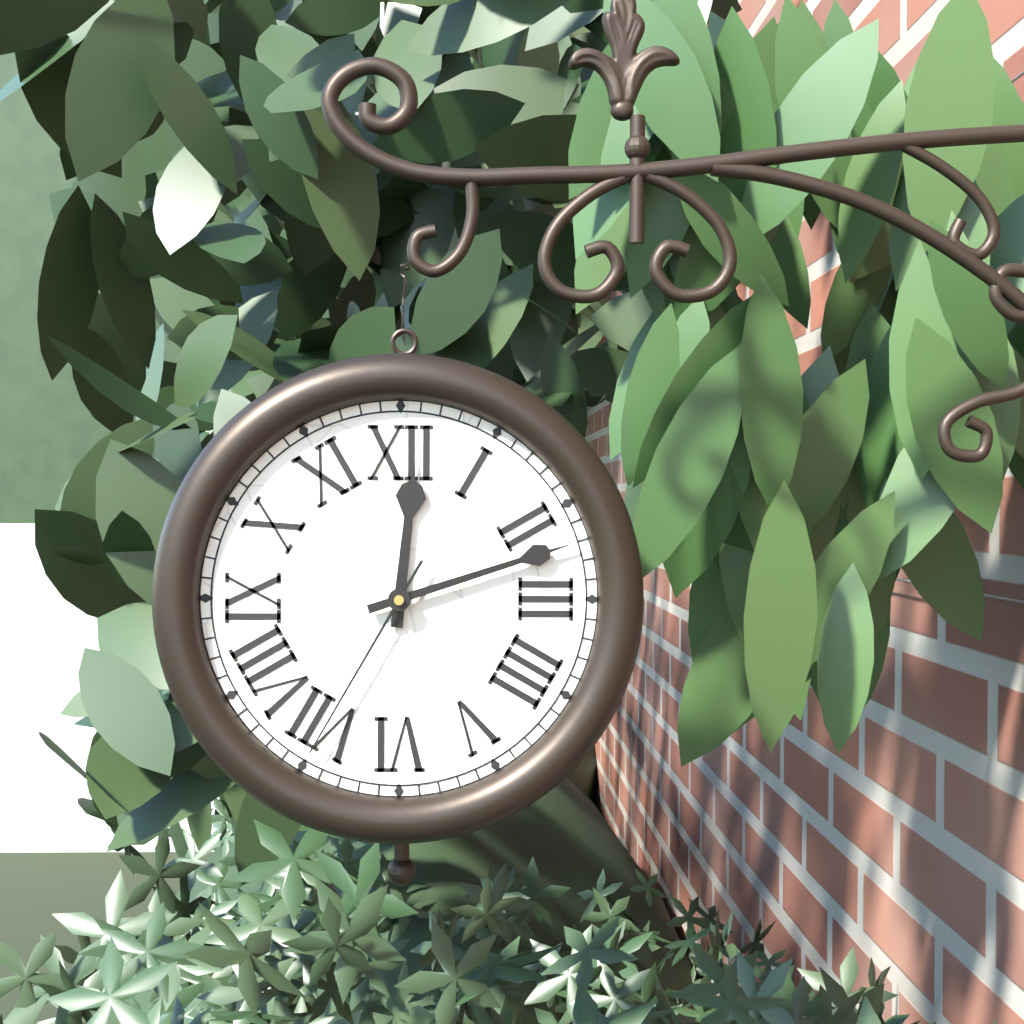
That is 12.12.35
